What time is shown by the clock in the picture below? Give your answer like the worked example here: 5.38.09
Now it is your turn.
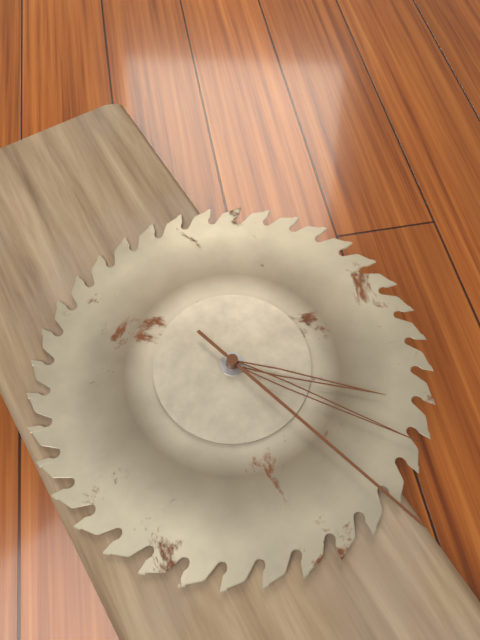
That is 4.24.27
